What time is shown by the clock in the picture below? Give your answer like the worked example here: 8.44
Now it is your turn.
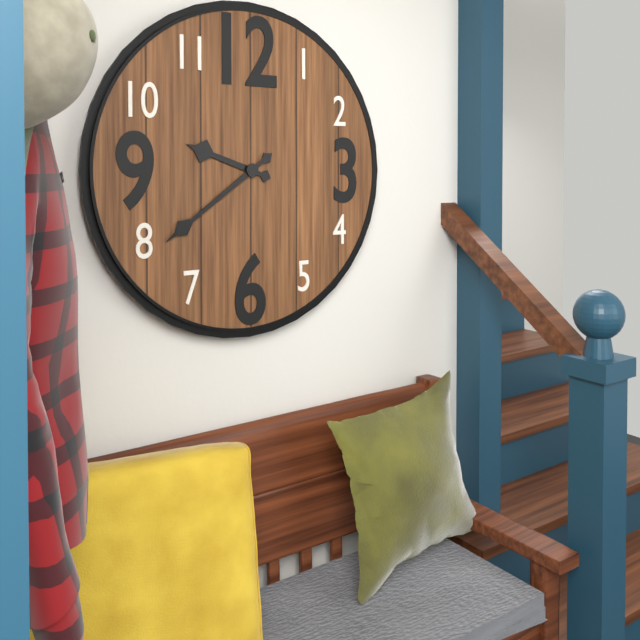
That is 9.39
